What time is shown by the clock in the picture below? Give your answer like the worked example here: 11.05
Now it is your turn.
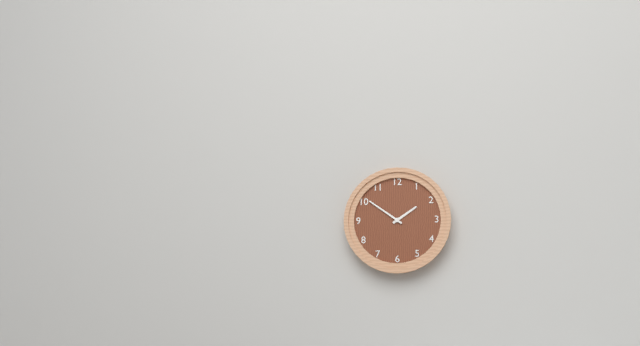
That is 1.51
